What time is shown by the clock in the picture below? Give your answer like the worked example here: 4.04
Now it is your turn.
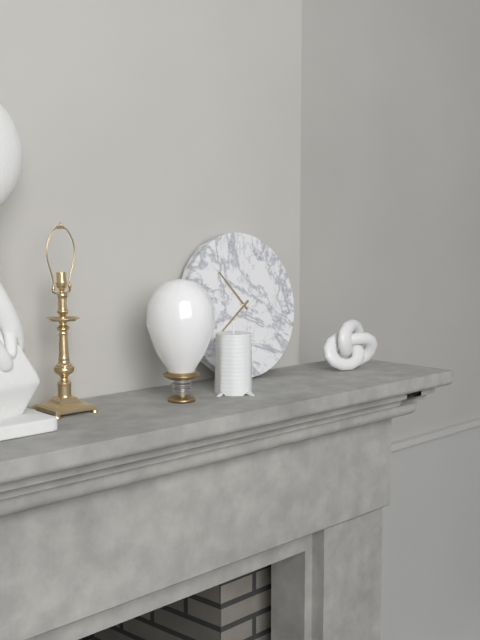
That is 10.39
